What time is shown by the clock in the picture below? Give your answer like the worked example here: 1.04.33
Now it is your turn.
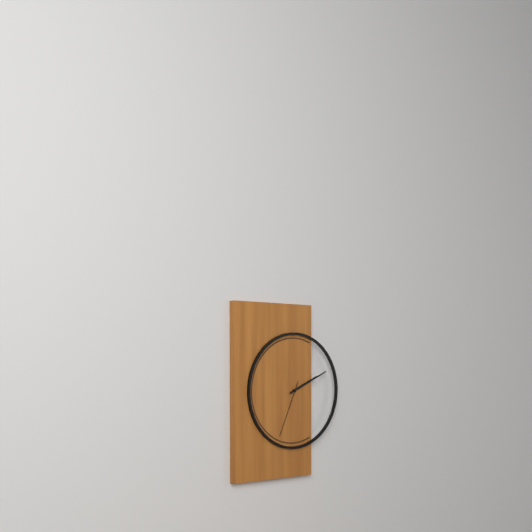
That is 2.11.34
